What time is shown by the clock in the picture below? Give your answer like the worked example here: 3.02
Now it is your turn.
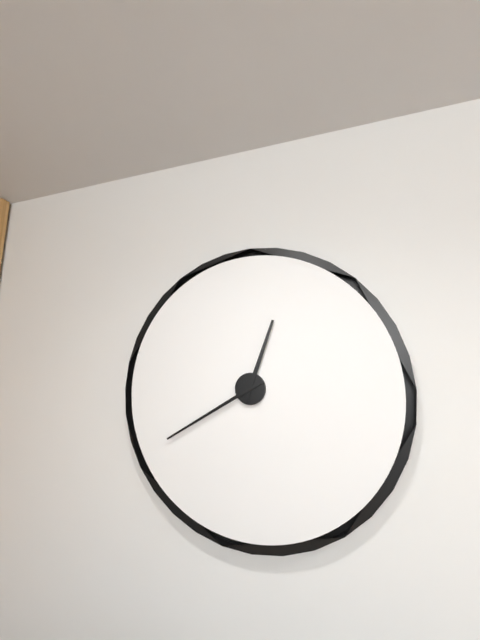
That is 12.40
